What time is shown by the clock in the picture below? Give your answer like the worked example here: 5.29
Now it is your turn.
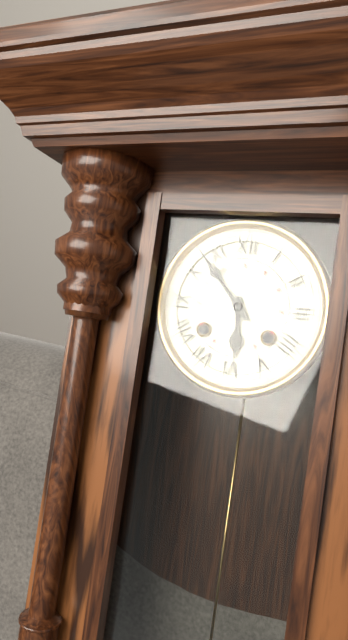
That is 5.53
